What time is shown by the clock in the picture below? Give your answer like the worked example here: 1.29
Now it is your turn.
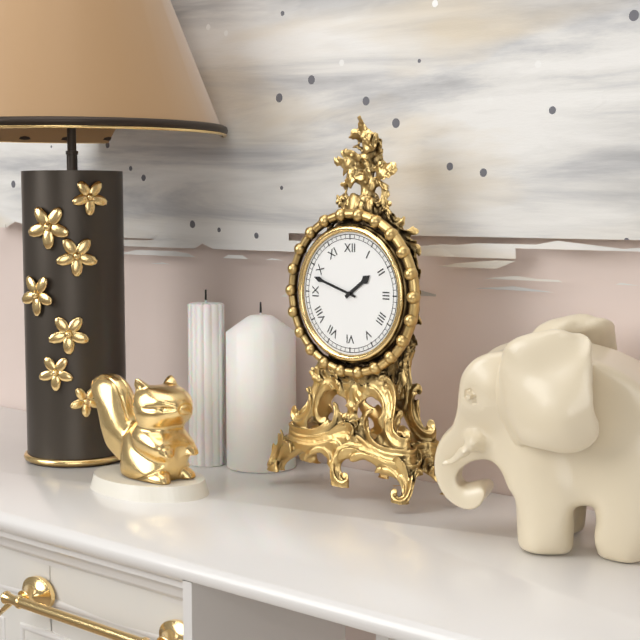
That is 1.48
